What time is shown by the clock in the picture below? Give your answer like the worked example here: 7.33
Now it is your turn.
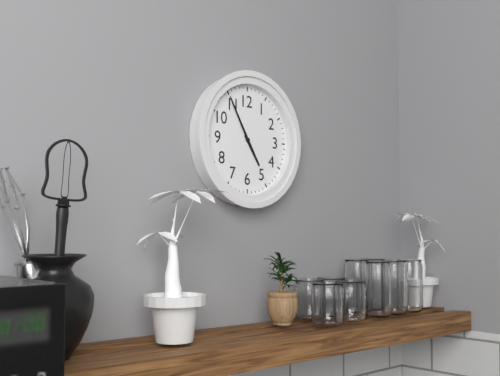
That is 4.55
